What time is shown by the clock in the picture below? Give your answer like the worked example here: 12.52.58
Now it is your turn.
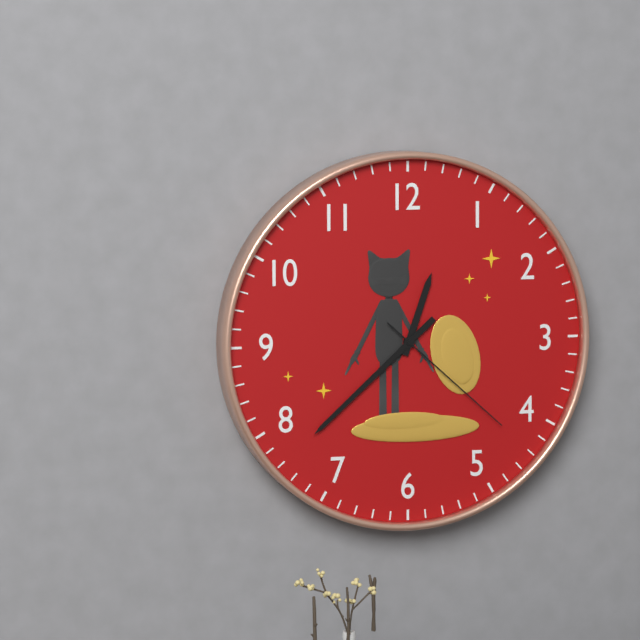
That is 12.38.22
